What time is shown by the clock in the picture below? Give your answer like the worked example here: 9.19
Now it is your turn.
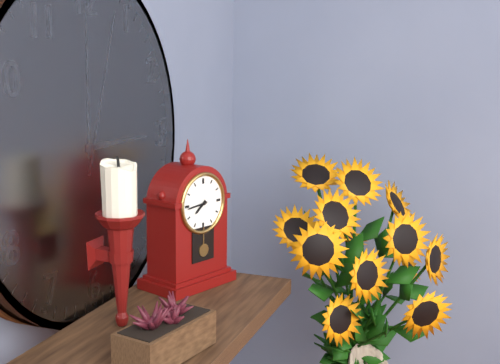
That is 7.44
